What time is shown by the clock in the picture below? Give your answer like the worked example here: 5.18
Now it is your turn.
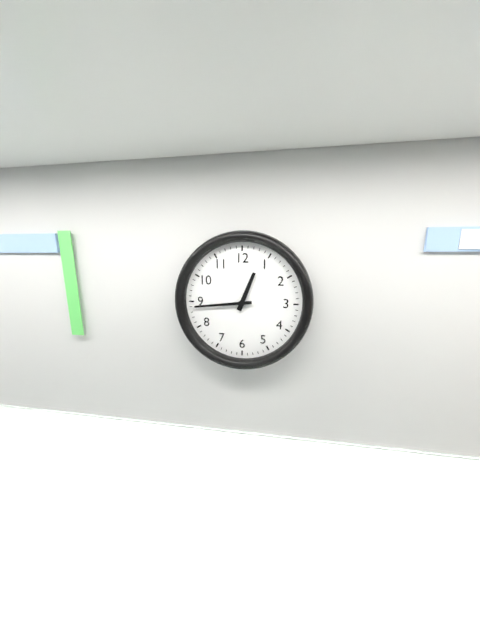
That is 12.44
